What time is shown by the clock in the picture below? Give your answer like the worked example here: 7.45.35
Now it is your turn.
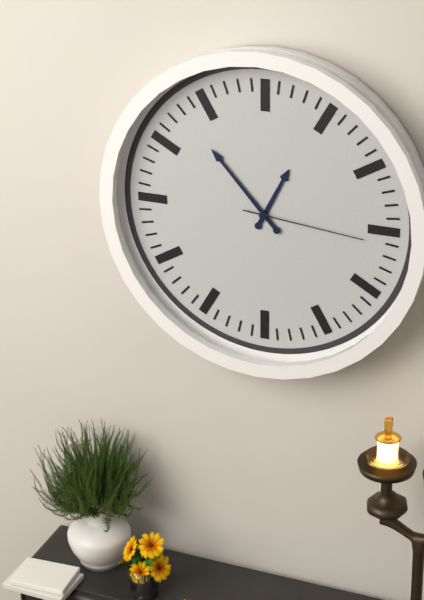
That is 12.53.16
